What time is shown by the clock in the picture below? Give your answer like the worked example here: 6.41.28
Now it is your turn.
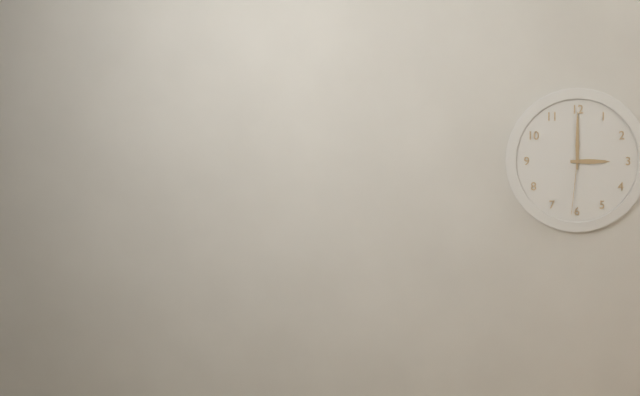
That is 3.00.31
